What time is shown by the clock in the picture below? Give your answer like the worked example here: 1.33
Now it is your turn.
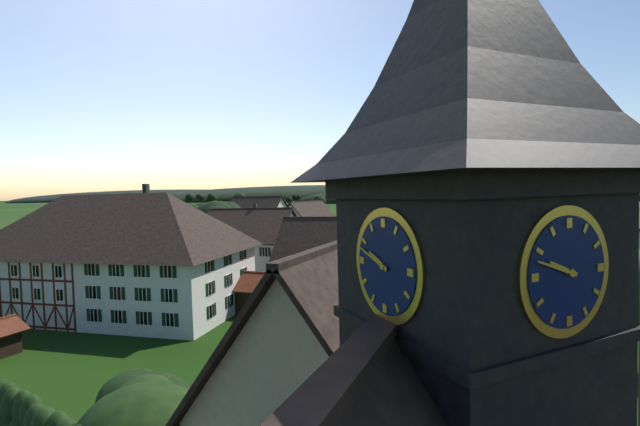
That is 9.48
